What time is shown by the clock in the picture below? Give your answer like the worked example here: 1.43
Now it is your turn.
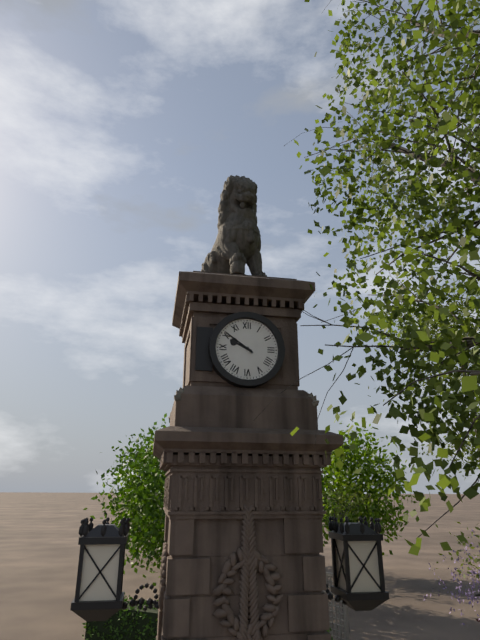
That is 9.51
